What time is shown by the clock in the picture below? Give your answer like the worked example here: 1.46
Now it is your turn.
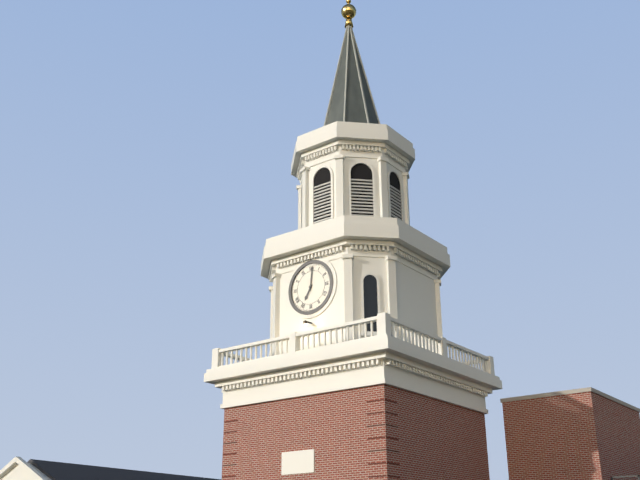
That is 7.01
